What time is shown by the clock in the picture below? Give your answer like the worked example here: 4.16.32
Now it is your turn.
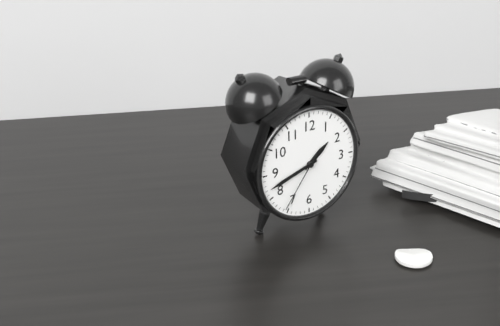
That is 1.42.36
